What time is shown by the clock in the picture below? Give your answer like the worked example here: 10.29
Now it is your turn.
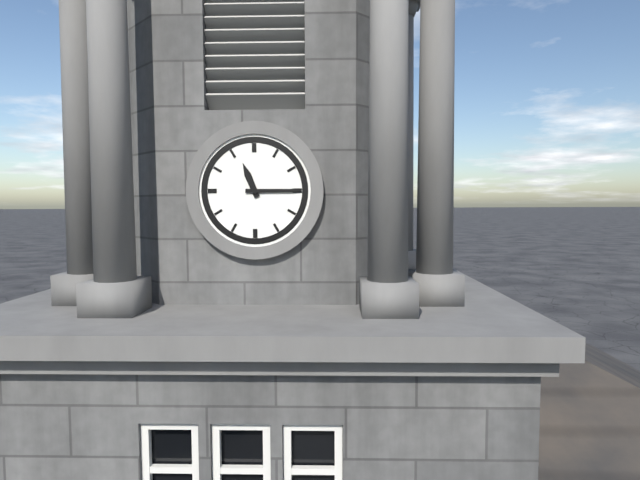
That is 11.15
